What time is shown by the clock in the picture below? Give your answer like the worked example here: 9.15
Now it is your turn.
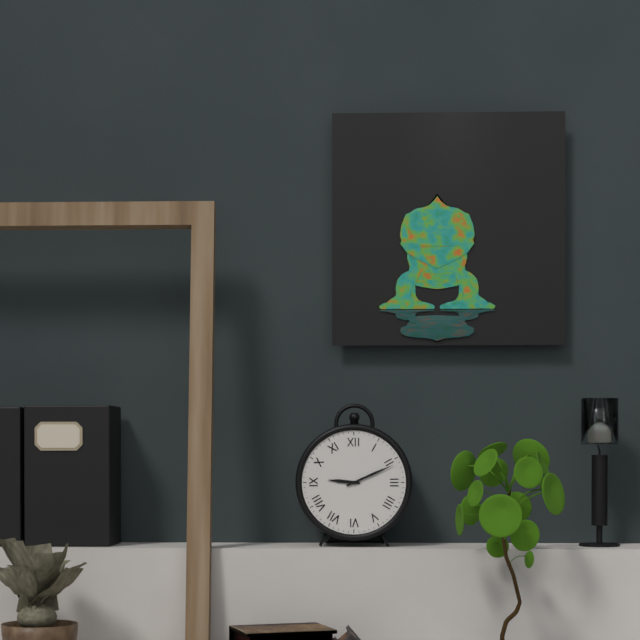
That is 9.11
